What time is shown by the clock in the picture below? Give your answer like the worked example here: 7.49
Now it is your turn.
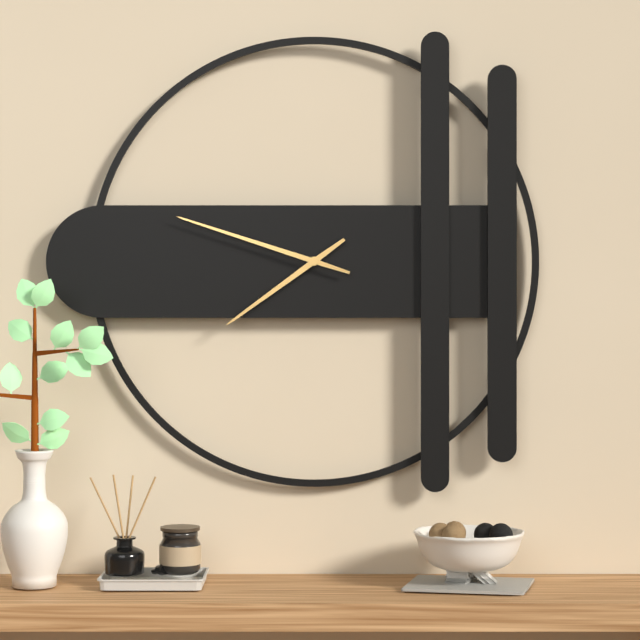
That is 7.48
